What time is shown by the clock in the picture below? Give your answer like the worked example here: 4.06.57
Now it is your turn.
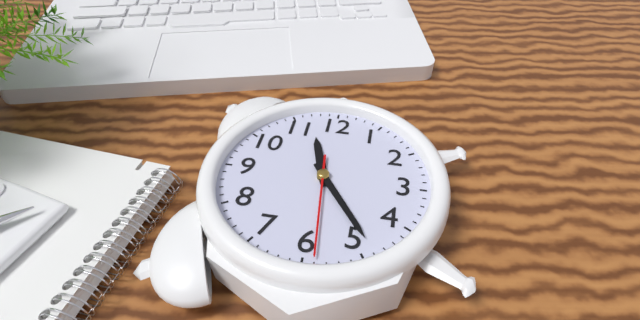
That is 11.24.29
